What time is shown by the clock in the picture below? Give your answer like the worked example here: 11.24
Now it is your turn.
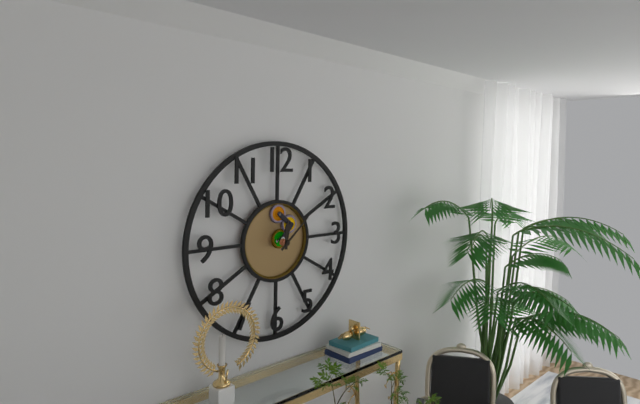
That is 12.08
